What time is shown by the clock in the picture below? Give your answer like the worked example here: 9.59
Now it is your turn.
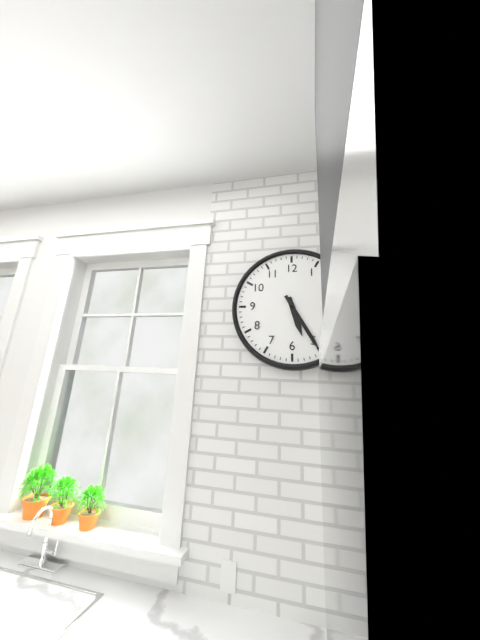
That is 5.25
